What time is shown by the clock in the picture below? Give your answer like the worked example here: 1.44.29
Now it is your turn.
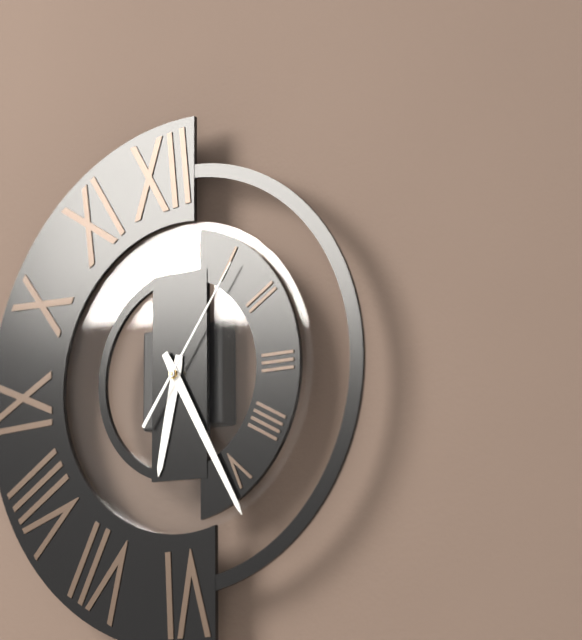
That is 6.25.06
